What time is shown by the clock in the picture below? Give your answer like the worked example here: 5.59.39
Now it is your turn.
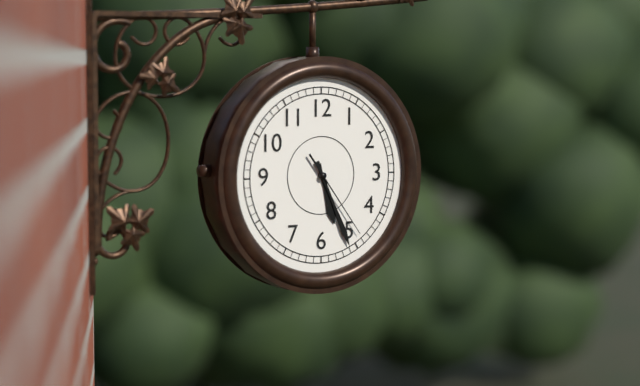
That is 5.26.24
